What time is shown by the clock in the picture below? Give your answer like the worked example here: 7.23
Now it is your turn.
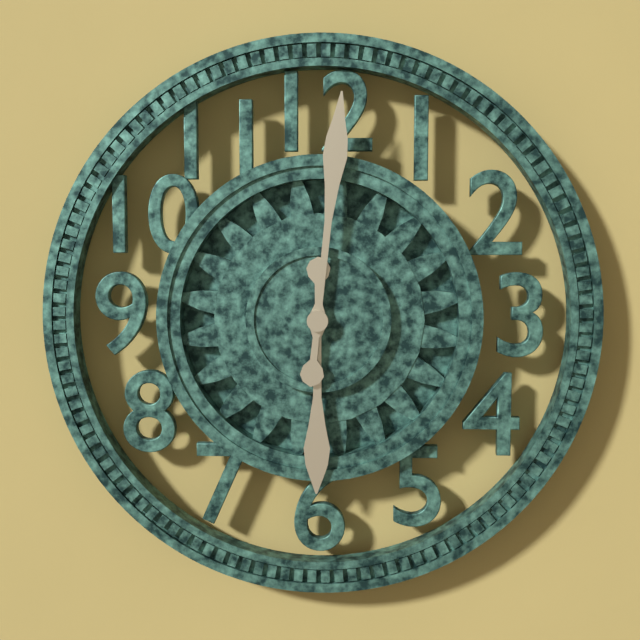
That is 6.01
